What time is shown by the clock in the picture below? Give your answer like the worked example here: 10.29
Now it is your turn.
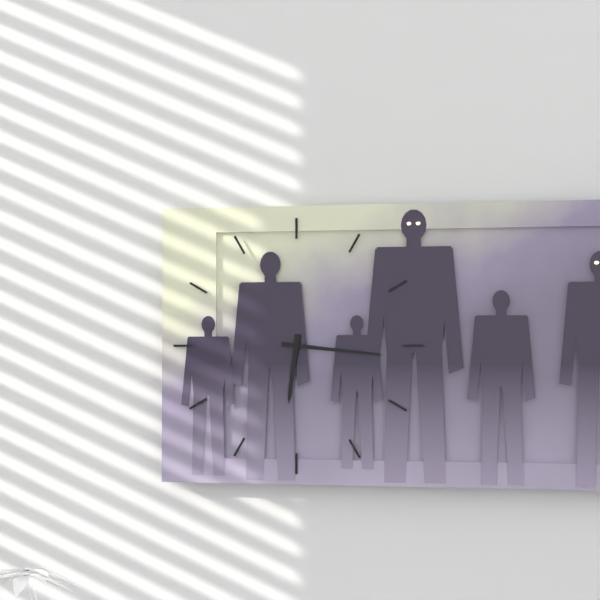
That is 6.16
